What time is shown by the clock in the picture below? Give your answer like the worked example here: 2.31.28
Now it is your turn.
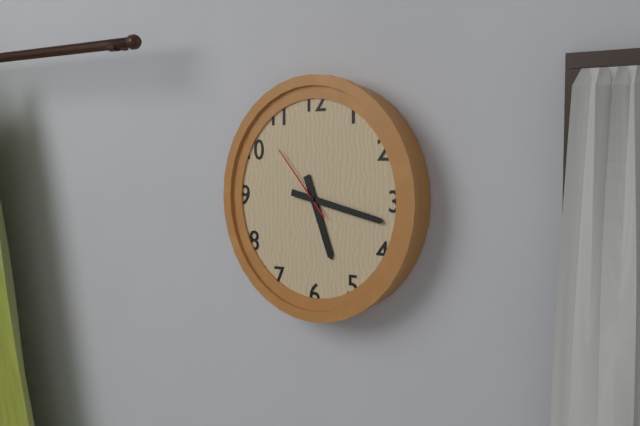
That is 5.17.53
